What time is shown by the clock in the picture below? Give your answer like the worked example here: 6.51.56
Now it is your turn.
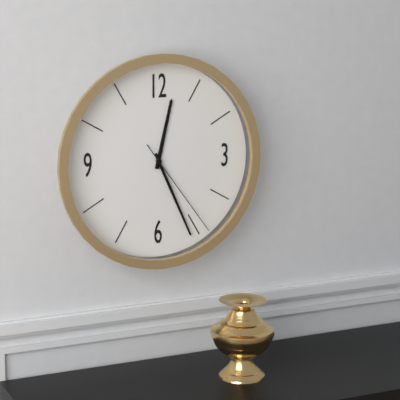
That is 12.26.24
